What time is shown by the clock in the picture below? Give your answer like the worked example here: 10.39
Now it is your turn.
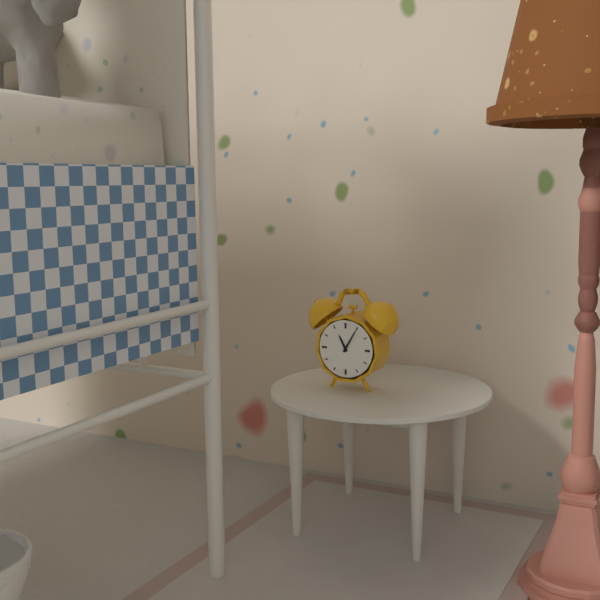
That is 11.05
